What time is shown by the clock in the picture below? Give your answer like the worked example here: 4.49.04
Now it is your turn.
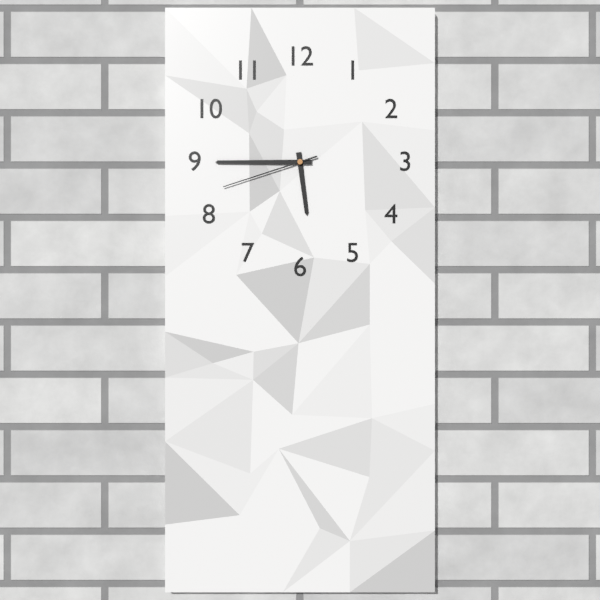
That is 5.45.42
